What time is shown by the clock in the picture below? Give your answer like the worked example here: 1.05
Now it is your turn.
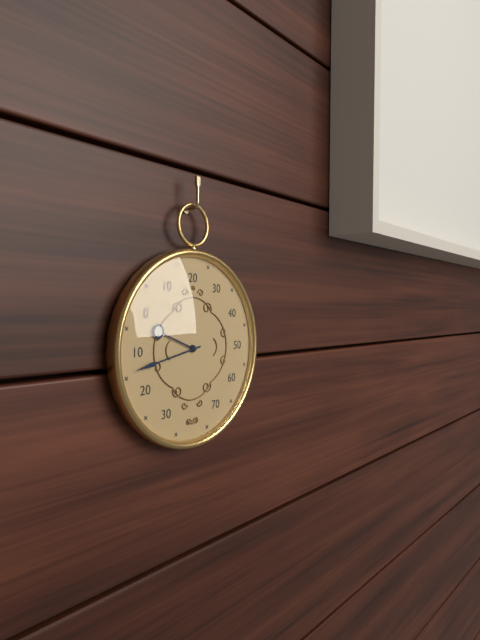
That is 9.43
